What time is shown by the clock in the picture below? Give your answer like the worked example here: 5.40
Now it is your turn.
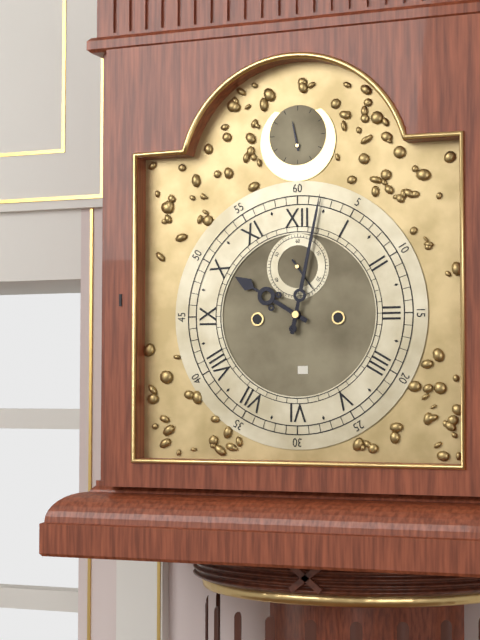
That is 10.02
